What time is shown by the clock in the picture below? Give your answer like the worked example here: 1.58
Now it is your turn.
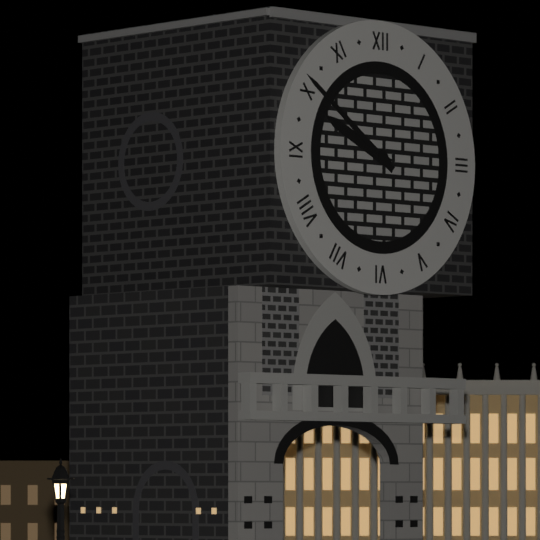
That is 9.51
